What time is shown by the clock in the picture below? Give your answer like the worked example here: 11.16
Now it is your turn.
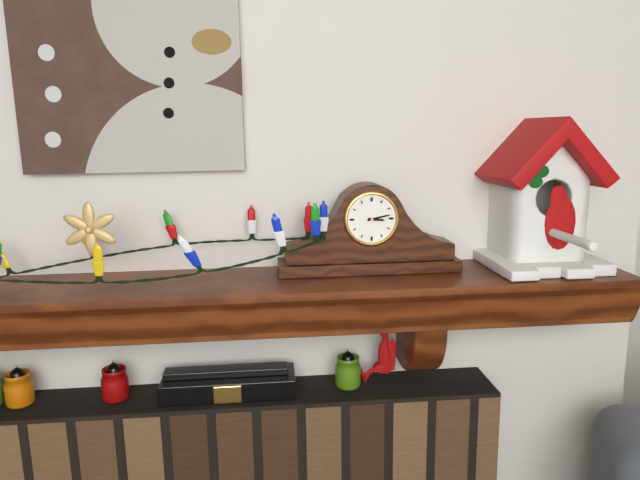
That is 3.13
